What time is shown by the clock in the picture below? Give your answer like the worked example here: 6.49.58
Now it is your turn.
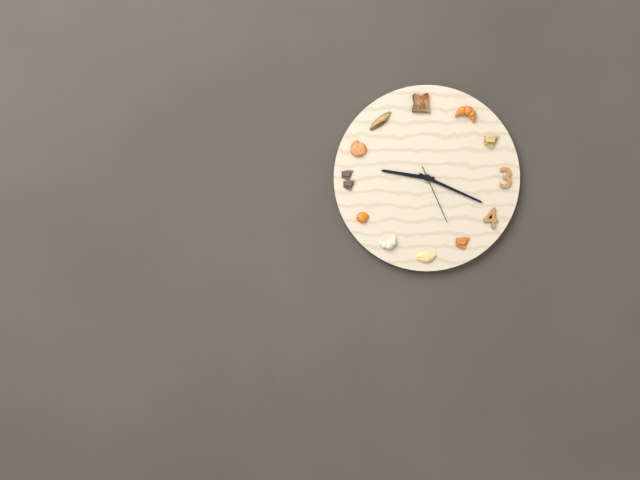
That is 9.19.26
